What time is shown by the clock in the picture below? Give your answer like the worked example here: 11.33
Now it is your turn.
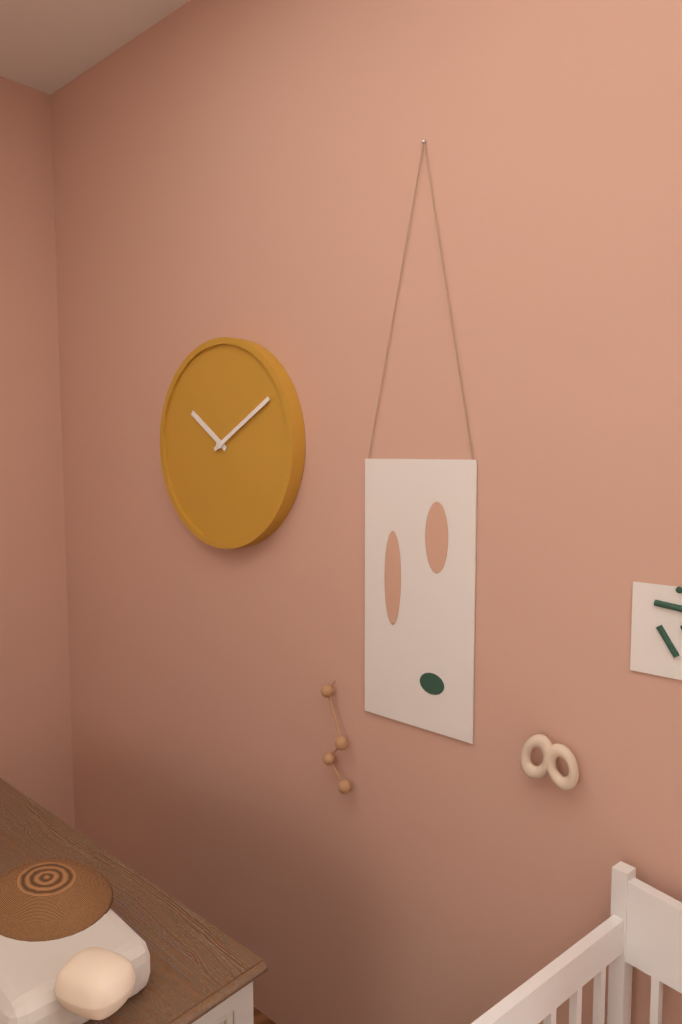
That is 10.10
